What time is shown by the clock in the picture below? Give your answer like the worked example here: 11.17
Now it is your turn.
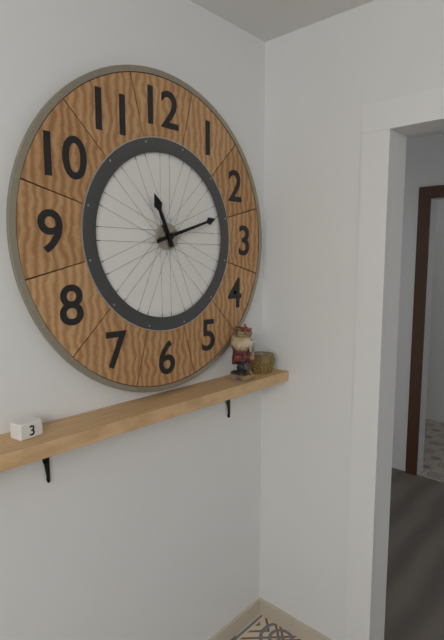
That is 11.12
